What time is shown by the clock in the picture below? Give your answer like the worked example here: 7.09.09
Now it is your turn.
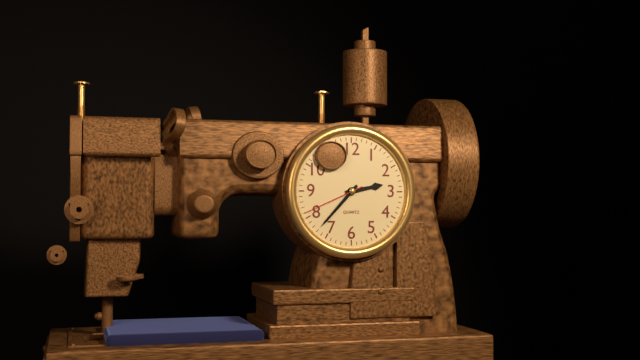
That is 2.37.41
